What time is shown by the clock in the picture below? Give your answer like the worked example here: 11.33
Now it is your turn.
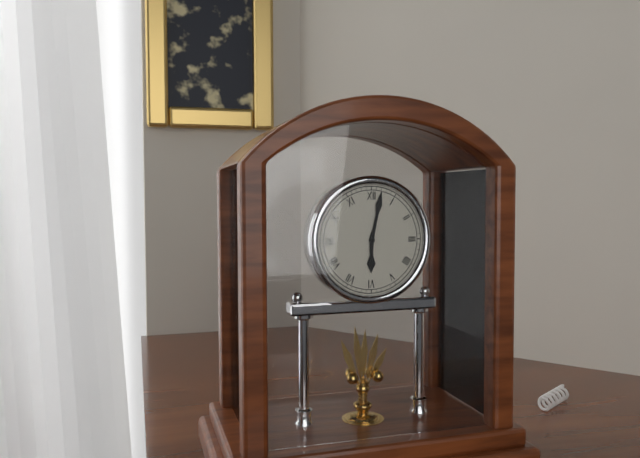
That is 6.02
